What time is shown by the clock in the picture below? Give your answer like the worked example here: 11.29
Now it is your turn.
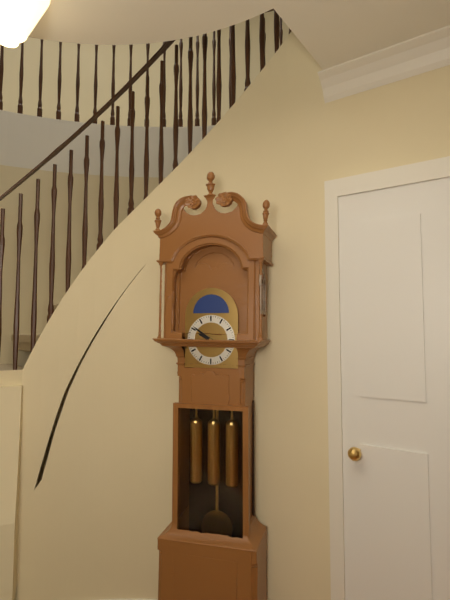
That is 9.51
